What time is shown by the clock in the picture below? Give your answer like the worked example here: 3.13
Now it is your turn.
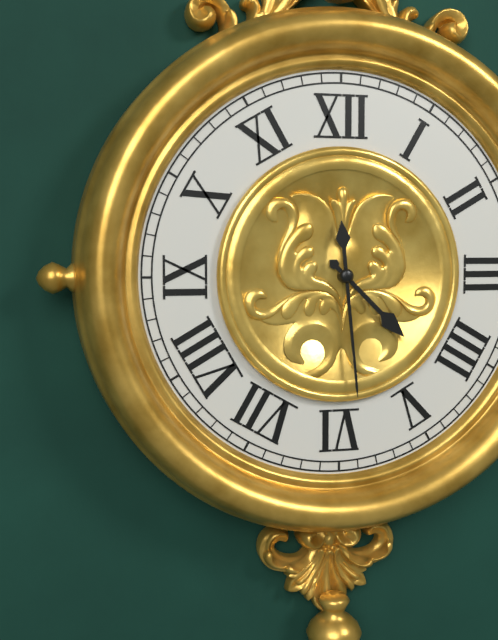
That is 4.29
